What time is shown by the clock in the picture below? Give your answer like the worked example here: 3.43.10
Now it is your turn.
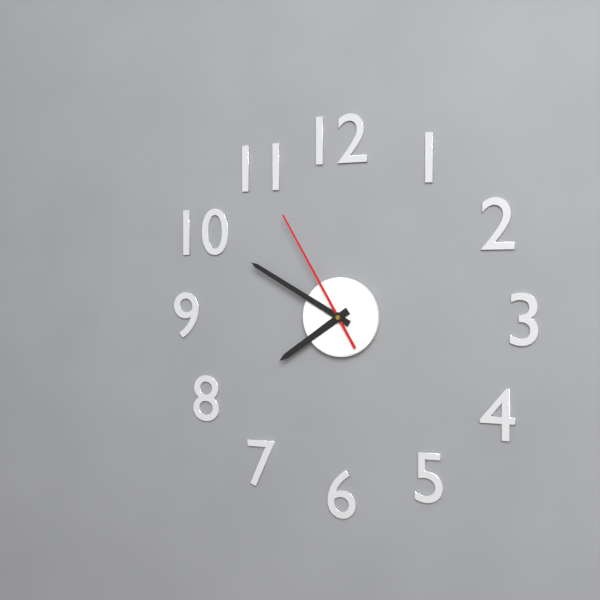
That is 7.50.55
